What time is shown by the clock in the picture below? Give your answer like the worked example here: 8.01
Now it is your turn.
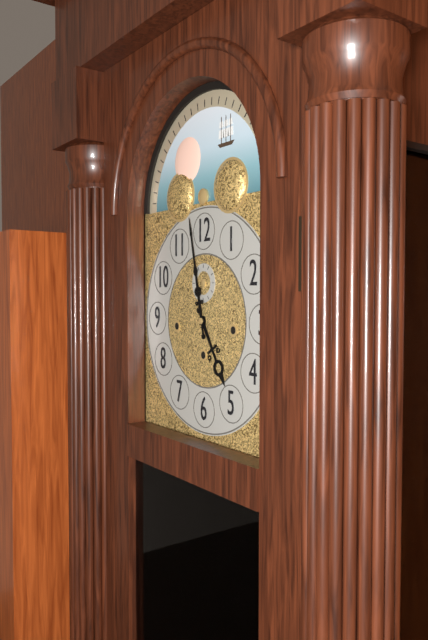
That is 4.58
